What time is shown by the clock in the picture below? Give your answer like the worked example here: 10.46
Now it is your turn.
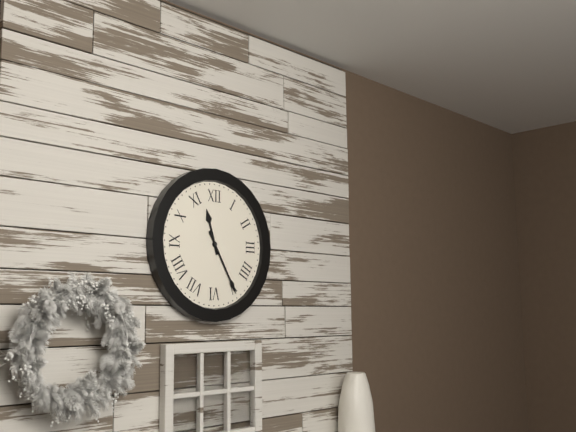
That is 11.25
